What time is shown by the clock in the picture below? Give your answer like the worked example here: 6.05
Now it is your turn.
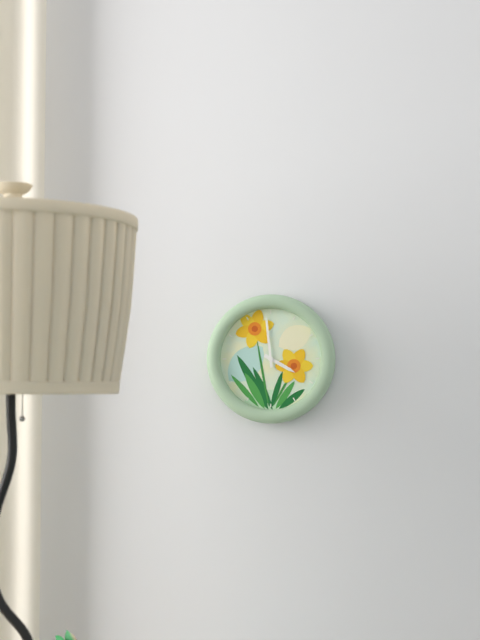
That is 3.59
